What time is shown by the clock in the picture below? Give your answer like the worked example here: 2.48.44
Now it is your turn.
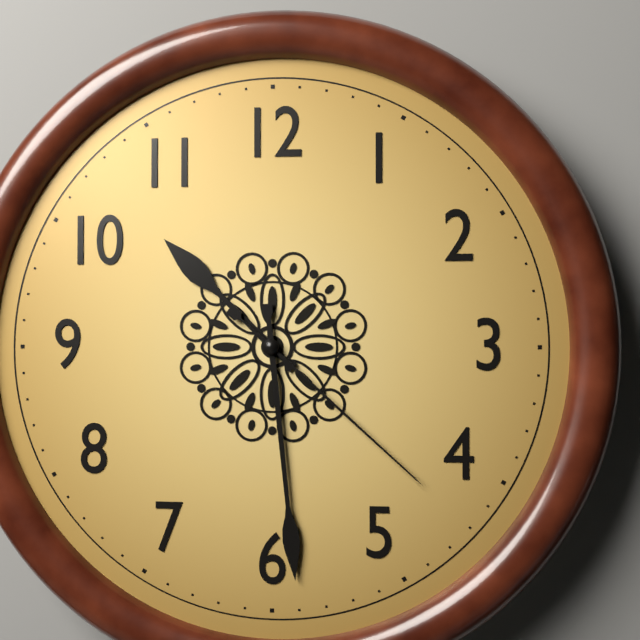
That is 10.29.22
